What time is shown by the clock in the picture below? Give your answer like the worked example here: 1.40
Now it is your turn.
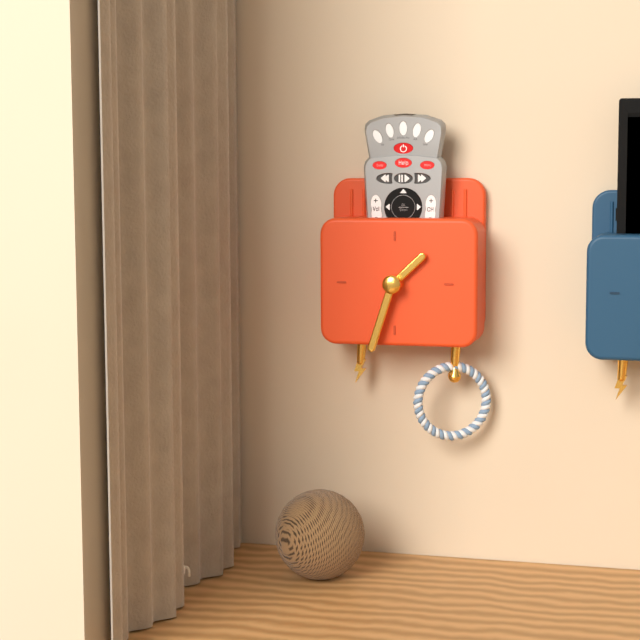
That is 1.33
